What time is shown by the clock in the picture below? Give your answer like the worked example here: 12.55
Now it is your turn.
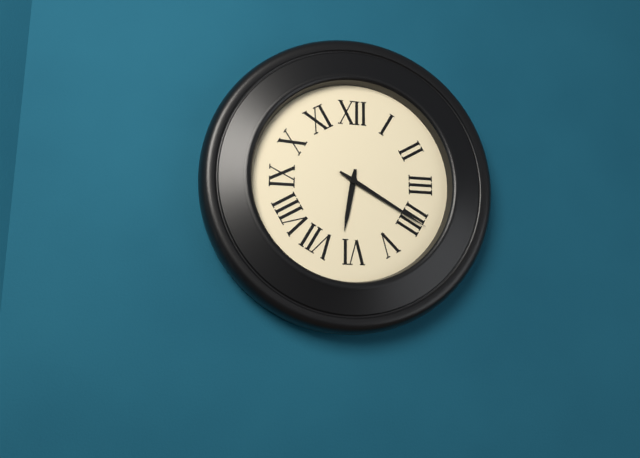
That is 6.20
